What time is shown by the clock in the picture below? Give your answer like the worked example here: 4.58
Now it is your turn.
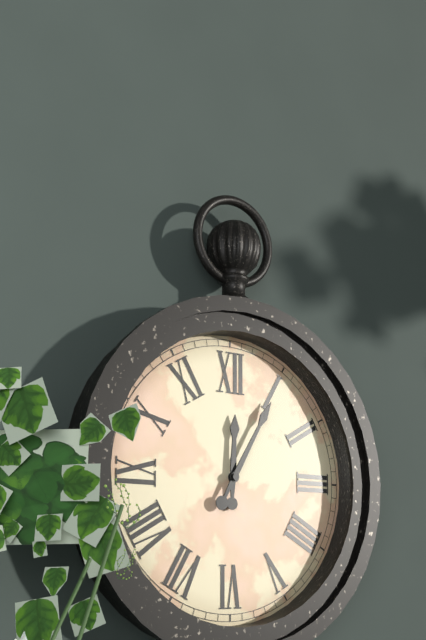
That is 12.05
